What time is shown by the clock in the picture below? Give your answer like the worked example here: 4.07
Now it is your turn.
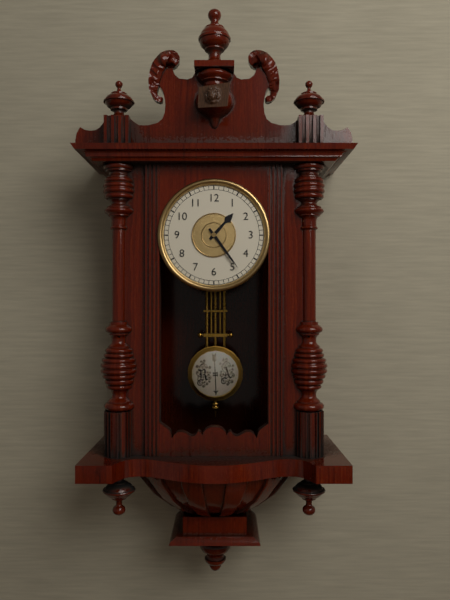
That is 1.24
